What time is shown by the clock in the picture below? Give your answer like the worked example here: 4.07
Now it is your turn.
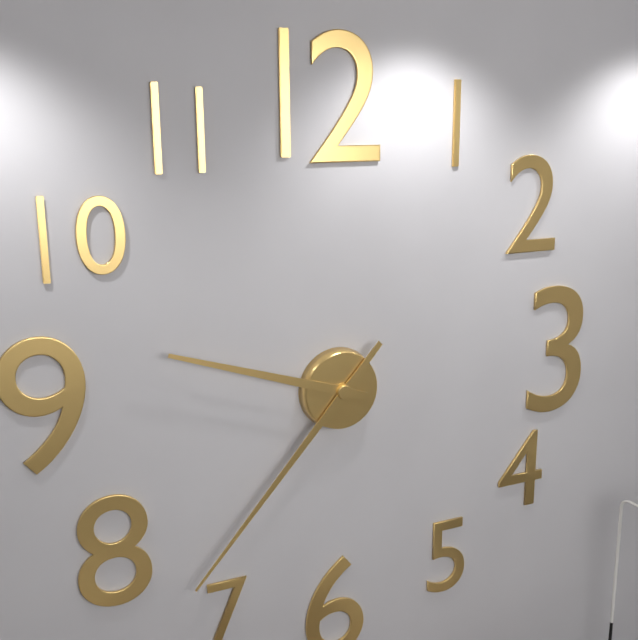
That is 9.37
